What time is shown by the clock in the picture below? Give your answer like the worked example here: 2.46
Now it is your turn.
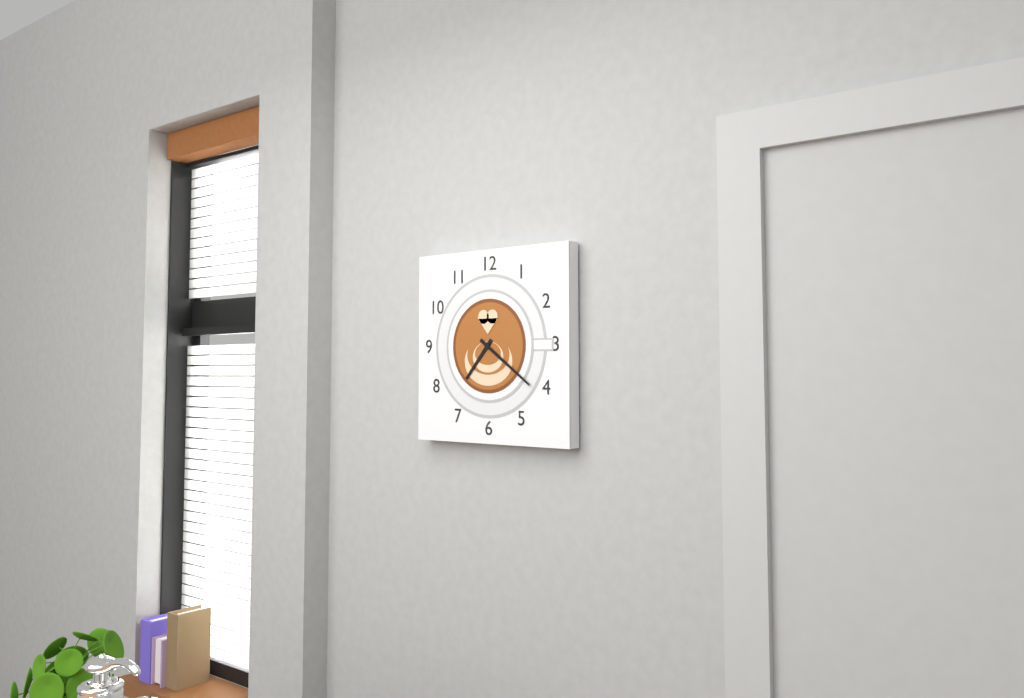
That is 7.21
